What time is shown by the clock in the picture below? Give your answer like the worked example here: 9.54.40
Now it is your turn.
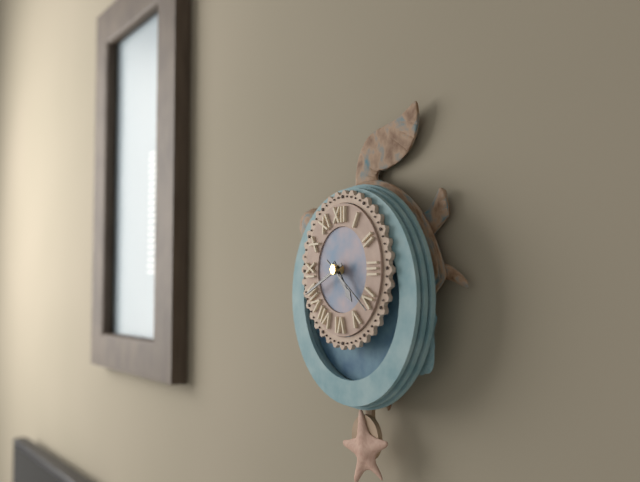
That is 4.41.21
